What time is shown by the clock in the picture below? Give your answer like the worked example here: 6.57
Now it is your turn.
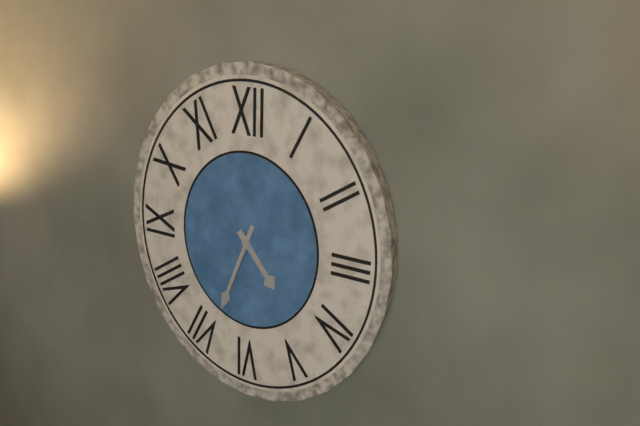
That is 4.34
